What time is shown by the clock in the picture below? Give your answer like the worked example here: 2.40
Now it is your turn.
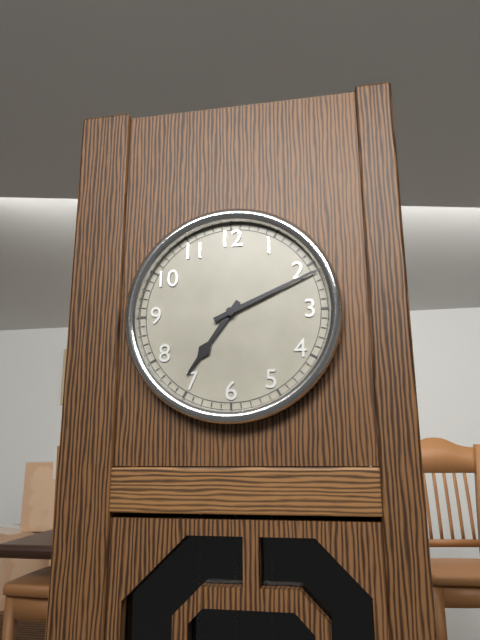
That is 7.11
